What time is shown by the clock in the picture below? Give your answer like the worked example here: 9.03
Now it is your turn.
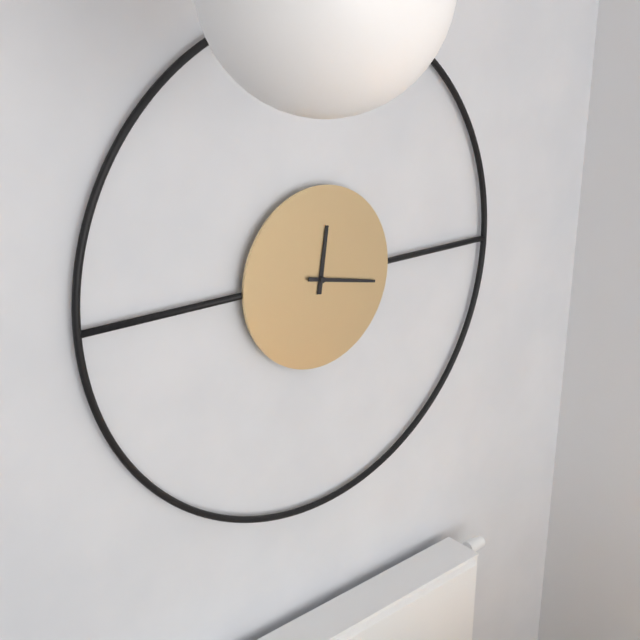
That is 12.17
